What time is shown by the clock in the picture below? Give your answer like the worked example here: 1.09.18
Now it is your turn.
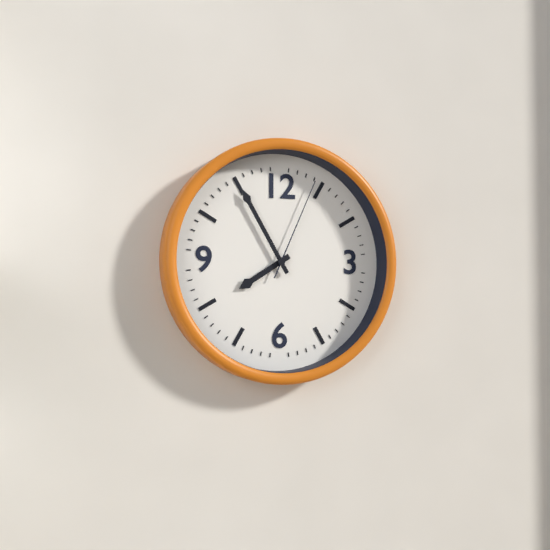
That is 7.55.04
